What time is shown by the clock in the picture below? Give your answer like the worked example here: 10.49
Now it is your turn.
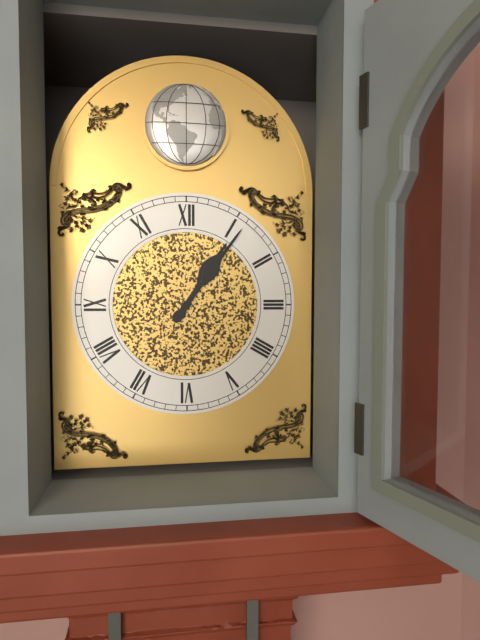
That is 1.06
